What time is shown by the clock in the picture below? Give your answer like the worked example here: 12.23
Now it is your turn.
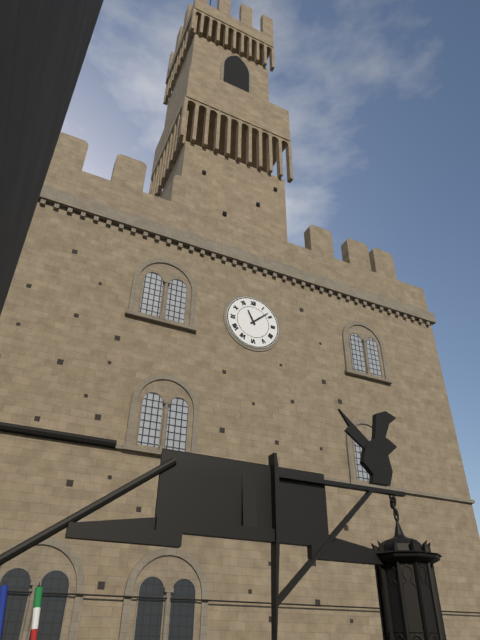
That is 11.08
